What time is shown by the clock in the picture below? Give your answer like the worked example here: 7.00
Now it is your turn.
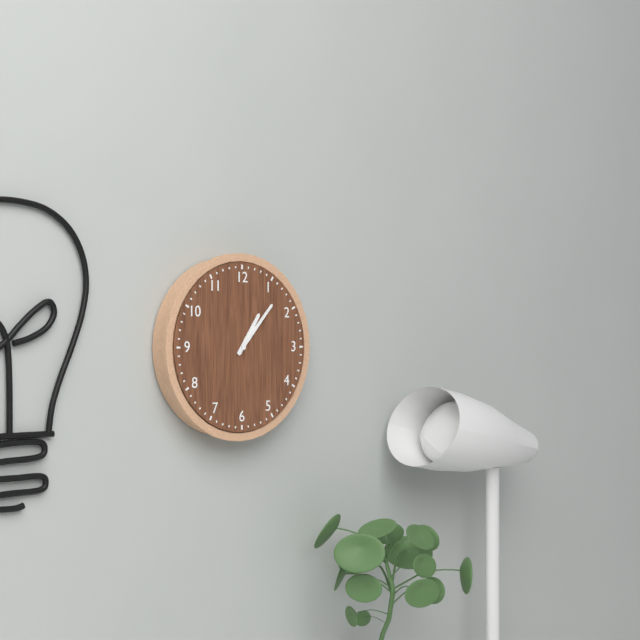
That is 1.07
